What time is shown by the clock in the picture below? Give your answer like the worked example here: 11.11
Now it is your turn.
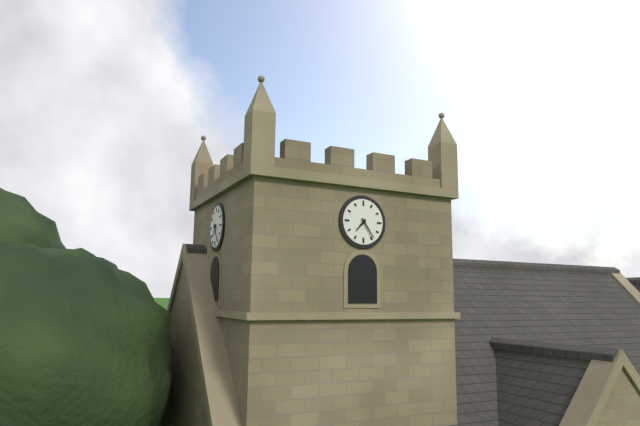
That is 7.24
